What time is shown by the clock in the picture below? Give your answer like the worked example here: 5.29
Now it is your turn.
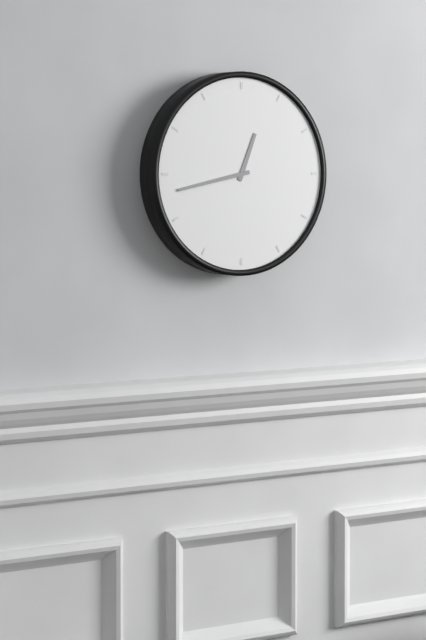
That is 12.43
